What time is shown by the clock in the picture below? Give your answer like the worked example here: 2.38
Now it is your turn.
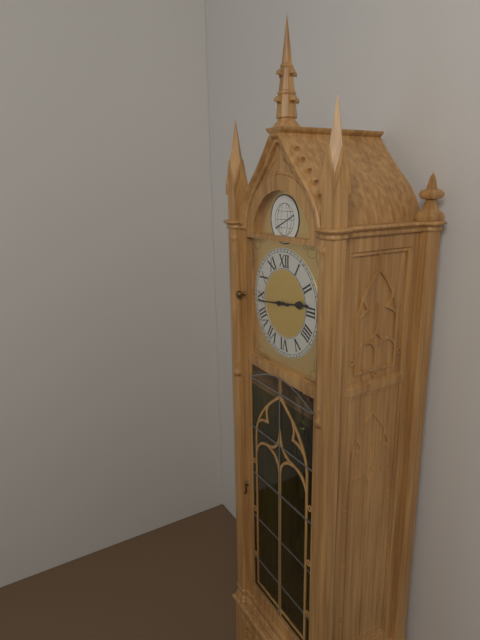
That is 2.44
